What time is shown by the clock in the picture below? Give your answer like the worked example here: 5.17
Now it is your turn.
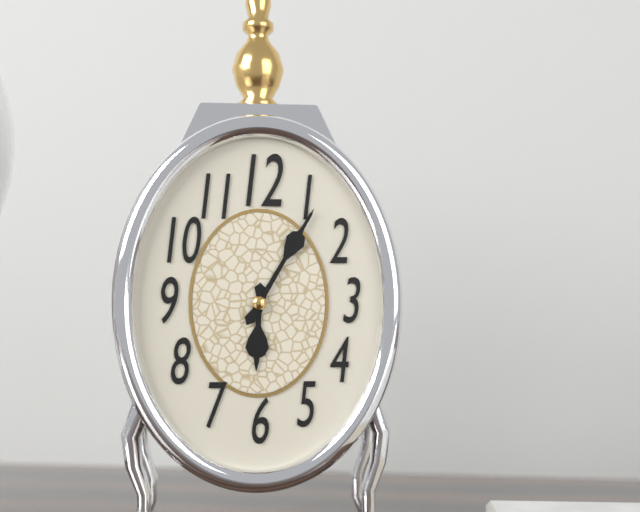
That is 6.05
